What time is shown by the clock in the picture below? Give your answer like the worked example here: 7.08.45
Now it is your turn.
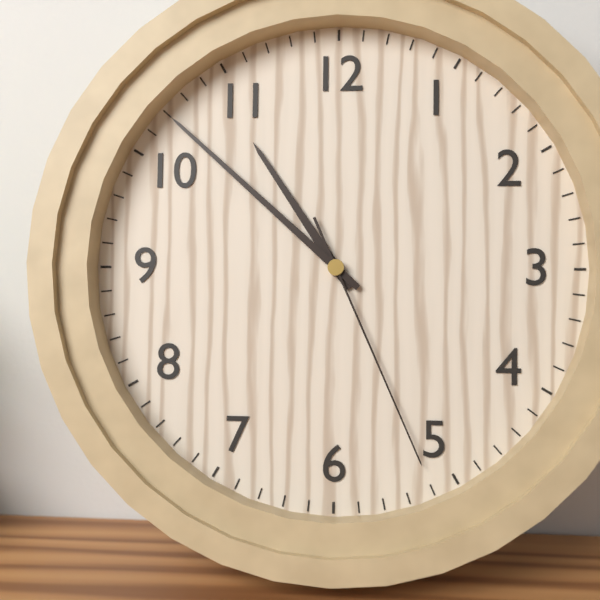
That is 10.52.26
